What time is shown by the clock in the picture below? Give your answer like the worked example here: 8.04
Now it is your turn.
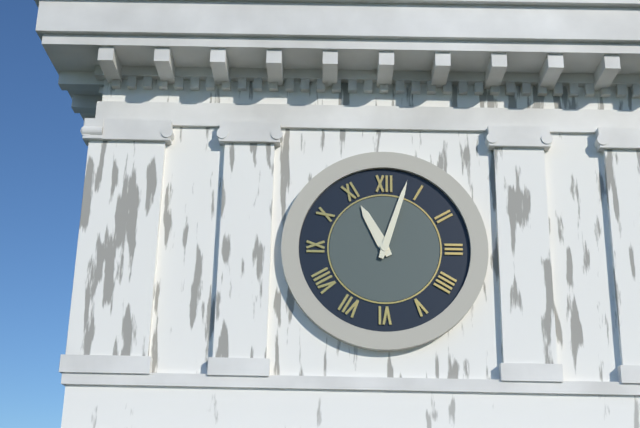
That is 11.03
